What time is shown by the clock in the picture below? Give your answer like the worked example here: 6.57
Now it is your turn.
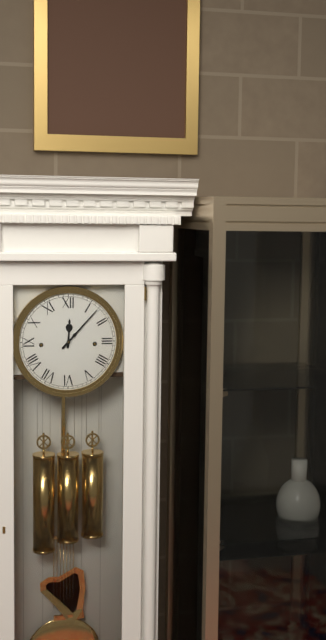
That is 12.07
